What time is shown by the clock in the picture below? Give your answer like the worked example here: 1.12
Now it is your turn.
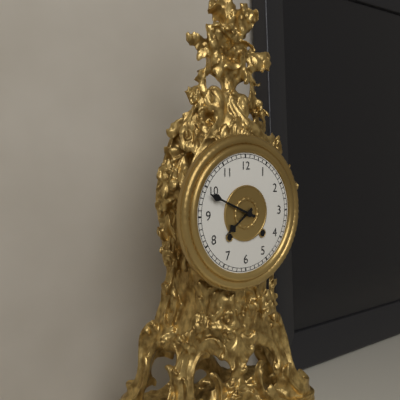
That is 7.49
